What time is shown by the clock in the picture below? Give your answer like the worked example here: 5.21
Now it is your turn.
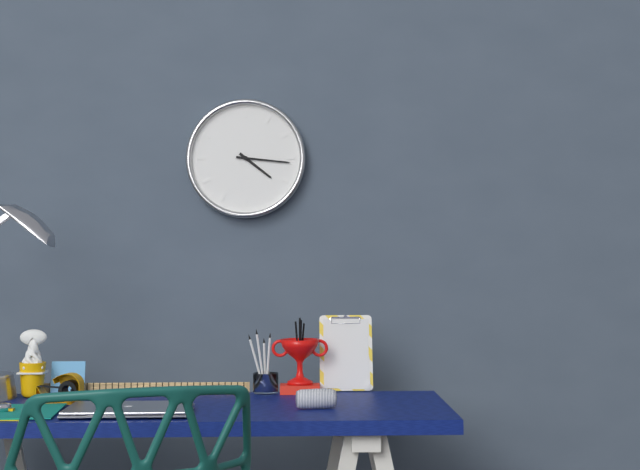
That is 4.16
